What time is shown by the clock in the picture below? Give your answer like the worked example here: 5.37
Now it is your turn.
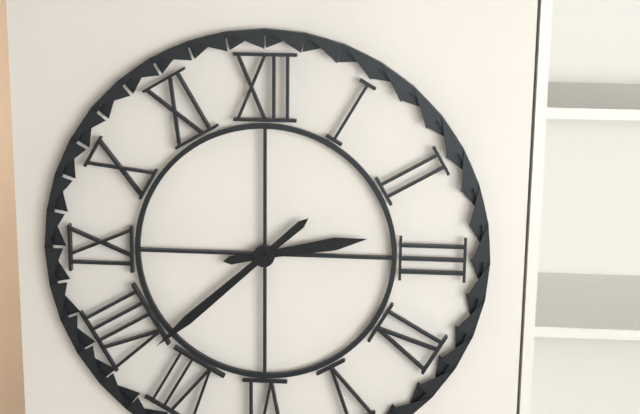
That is 2.38
